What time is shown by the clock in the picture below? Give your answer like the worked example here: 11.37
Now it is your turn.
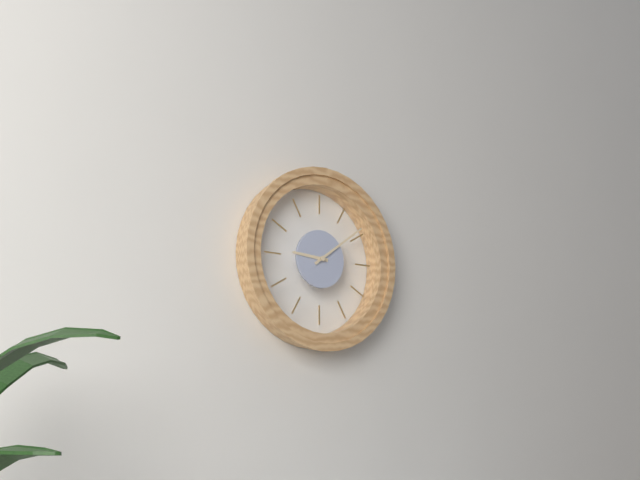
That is 9.09
